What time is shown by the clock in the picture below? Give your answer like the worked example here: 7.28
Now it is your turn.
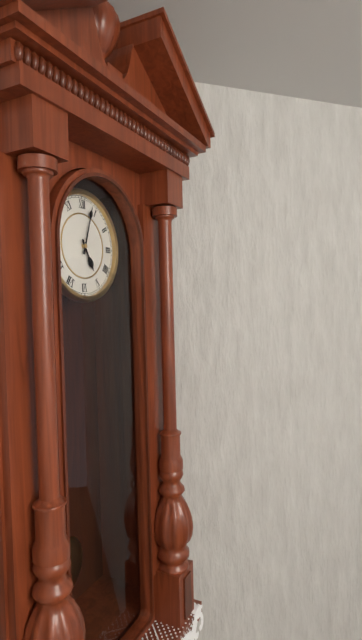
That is 5.03
